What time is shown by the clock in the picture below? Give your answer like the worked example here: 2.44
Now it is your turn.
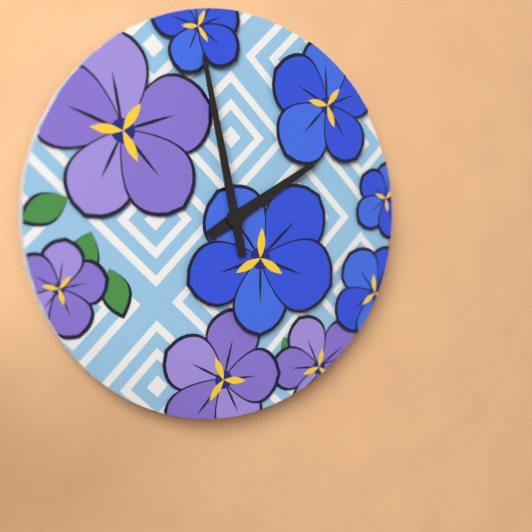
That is 1.58
